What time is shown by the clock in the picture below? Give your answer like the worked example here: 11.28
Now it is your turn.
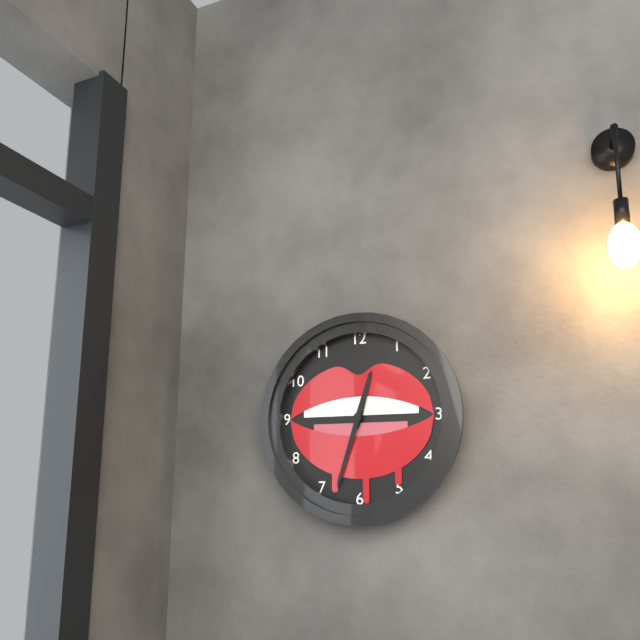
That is 12.33
